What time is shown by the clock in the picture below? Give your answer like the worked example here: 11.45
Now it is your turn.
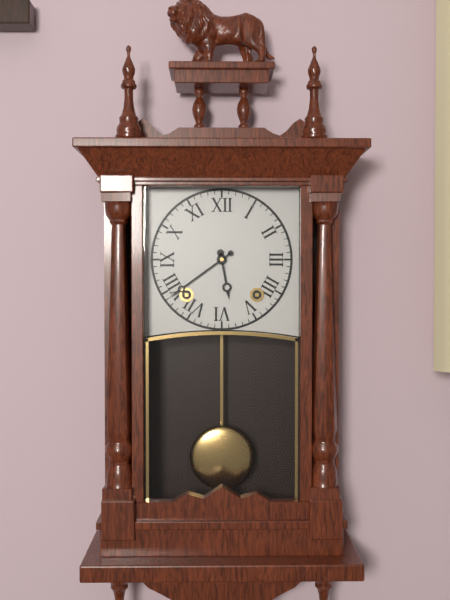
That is 5.39
